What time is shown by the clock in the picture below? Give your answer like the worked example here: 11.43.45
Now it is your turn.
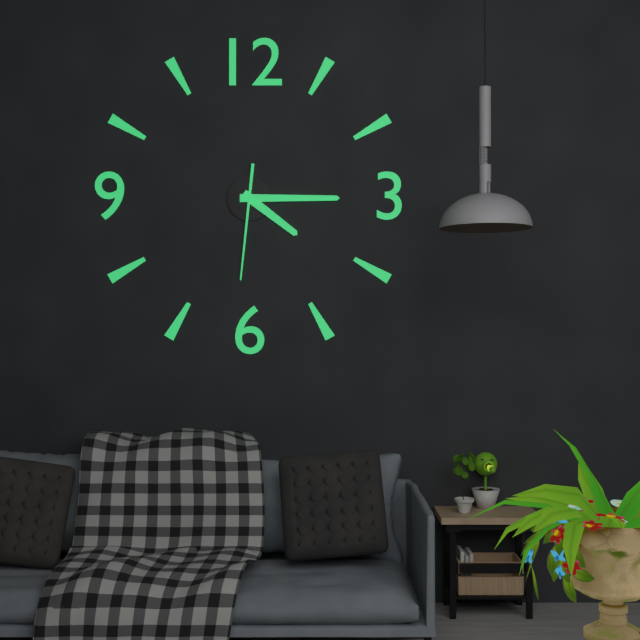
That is 4.15.31
